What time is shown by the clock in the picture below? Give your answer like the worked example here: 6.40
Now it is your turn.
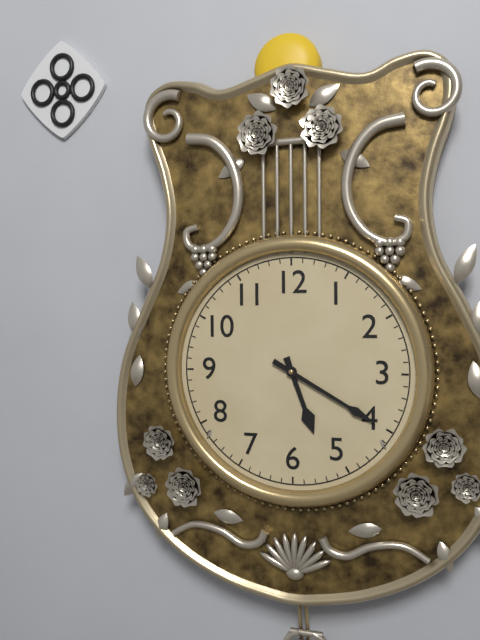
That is 5.20
